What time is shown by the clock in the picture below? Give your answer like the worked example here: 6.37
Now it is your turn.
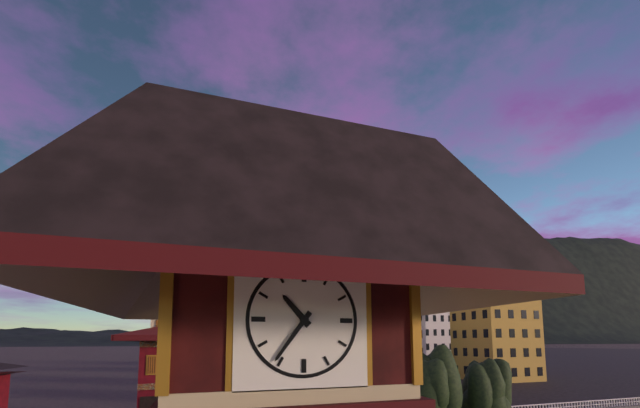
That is 10.36
